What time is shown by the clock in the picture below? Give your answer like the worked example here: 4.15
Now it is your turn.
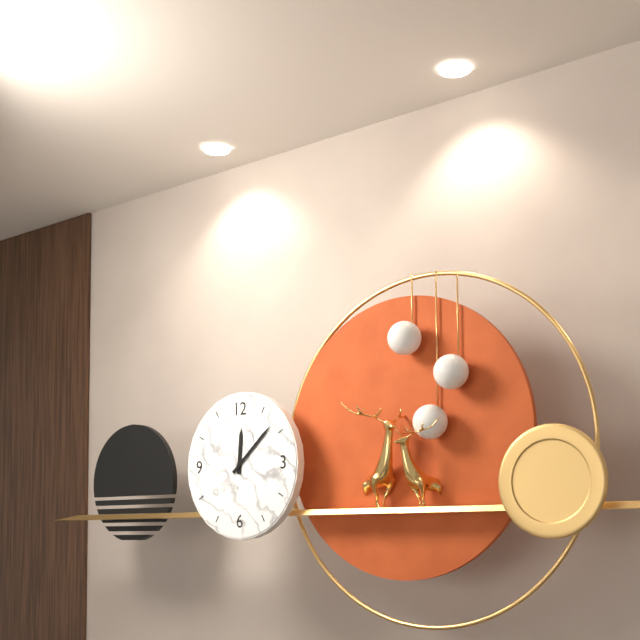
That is 12.08
